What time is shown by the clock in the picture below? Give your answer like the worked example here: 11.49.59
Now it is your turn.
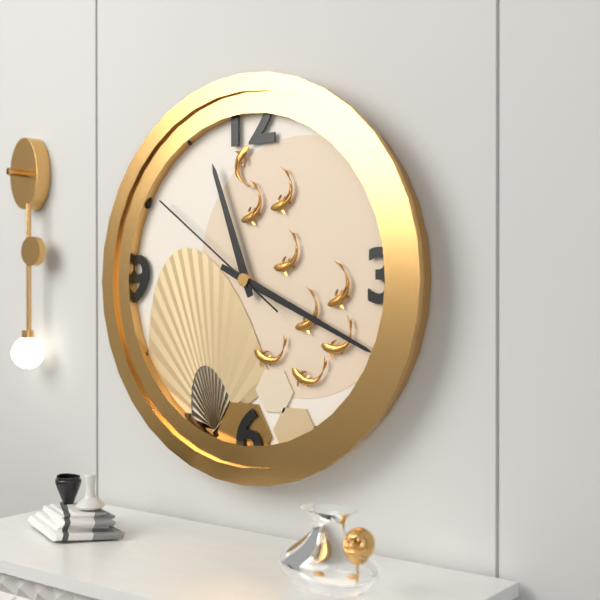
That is 11.19.51
